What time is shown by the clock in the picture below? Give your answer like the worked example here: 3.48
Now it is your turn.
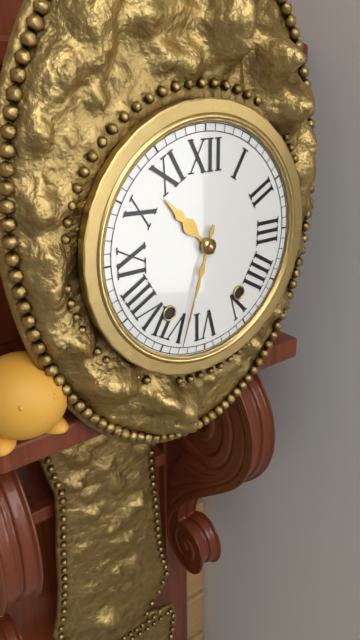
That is 10.33
